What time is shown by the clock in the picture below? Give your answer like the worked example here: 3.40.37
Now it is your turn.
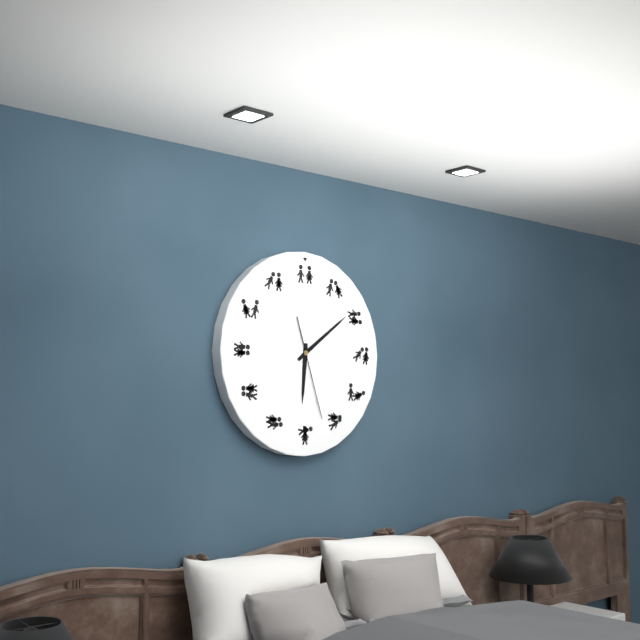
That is 6.09.27
